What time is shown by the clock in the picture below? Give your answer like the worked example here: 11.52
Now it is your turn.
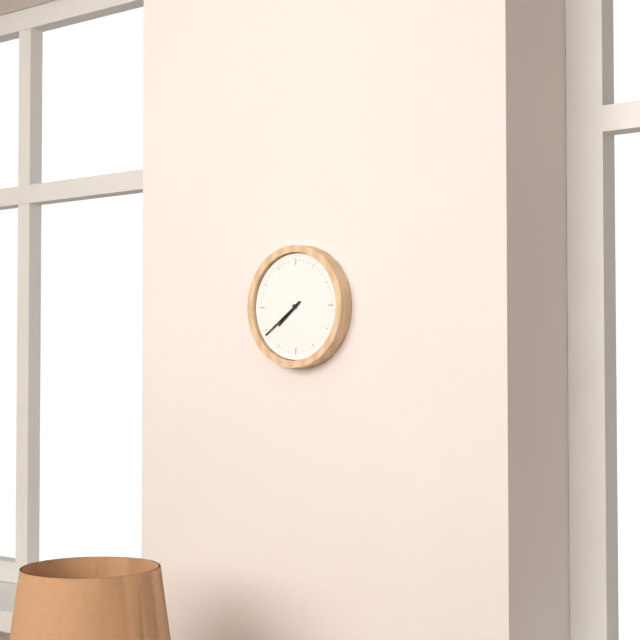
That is 7.39
